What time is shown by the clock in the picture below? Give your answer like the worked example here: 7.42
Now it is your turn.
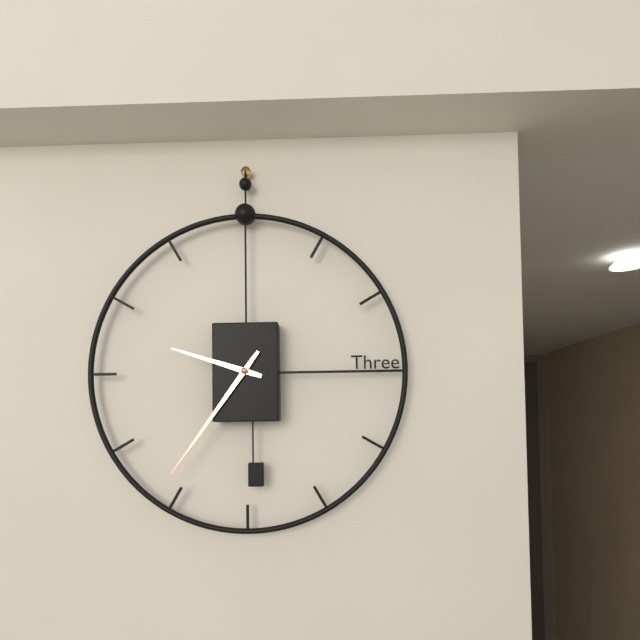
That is 9.36
